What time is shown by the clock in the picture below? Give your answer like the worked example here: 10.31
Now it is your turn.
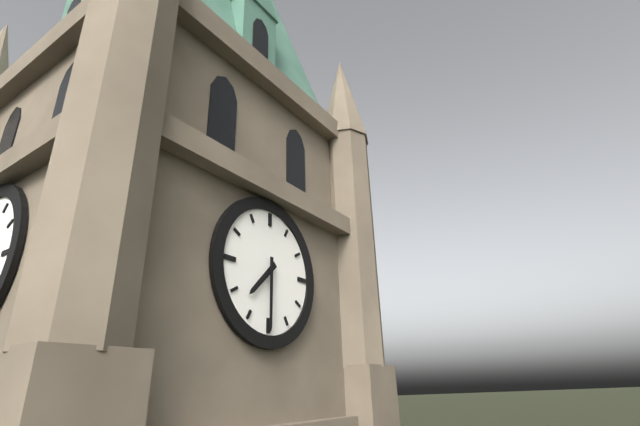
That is 7.30
